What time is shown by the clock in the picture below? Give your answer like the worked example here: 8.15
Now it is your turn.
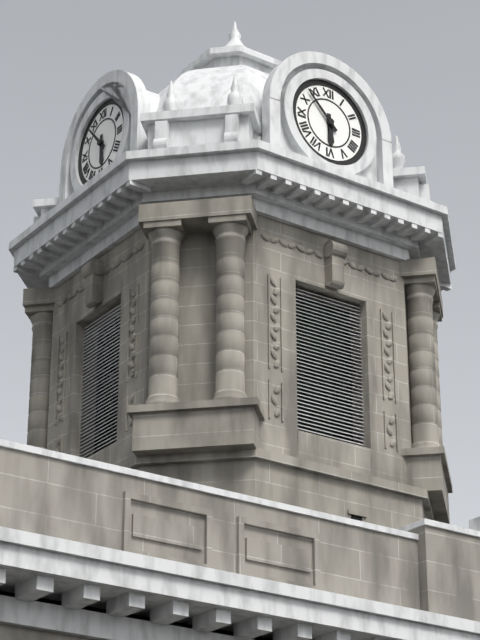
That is 5.53
